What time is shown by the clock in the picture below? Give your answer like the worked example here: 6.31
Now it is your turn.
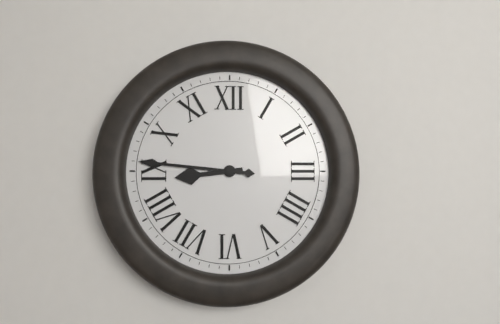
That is 8.46
